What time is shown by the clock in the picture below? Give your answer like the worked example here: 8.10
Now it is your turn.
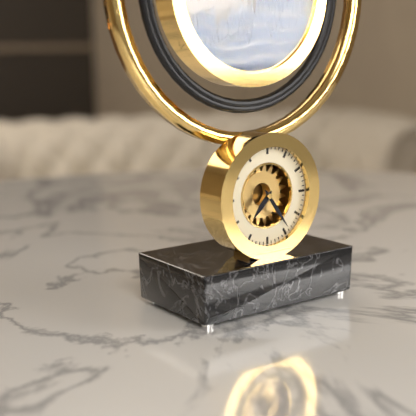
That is 7.24
